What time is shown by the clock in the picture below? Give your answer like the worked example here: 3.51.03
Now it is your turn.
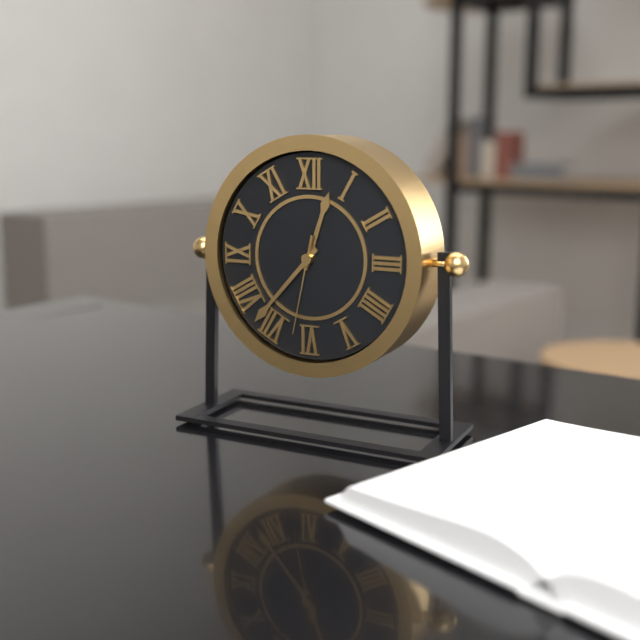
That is 12.37.32
